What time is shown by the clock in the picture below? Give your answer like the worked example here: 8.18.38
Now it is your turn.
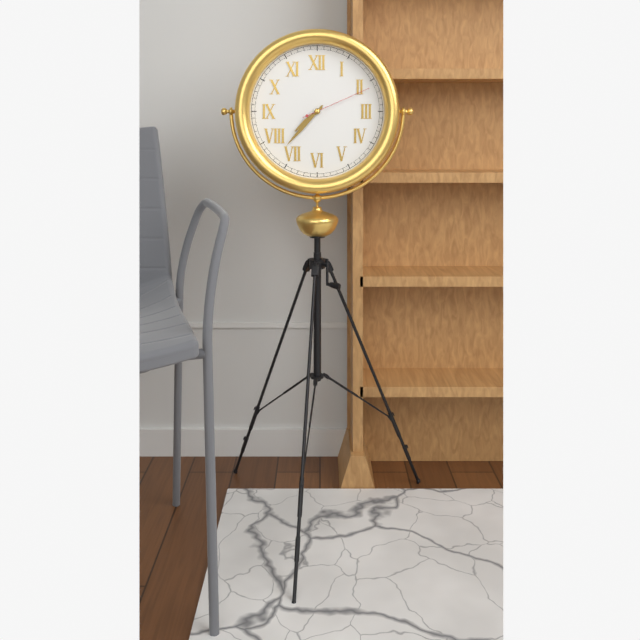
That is 7.37.11
